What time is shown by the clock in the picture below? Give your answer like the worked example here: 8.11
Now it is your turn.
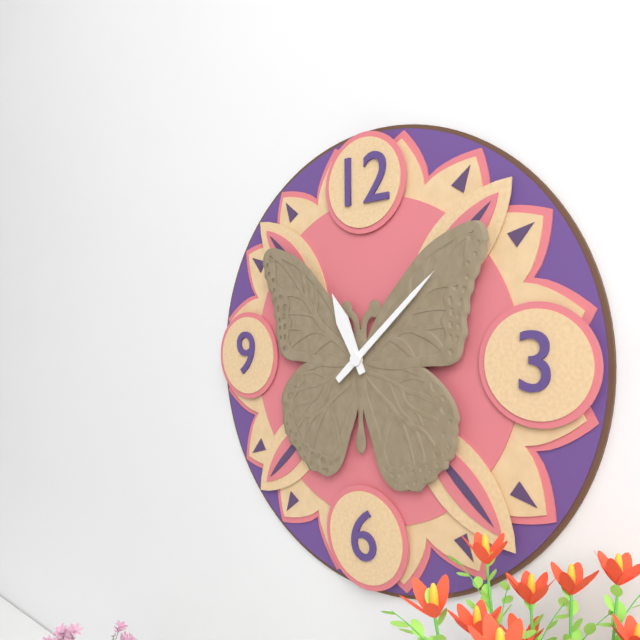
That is 11.08
